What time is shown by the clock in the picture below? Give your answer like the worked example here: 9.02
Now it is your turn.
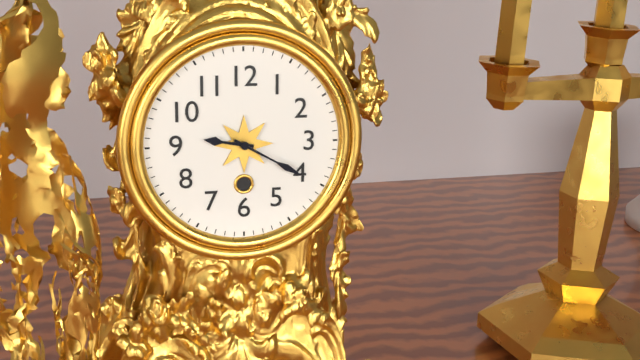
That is 9.20
